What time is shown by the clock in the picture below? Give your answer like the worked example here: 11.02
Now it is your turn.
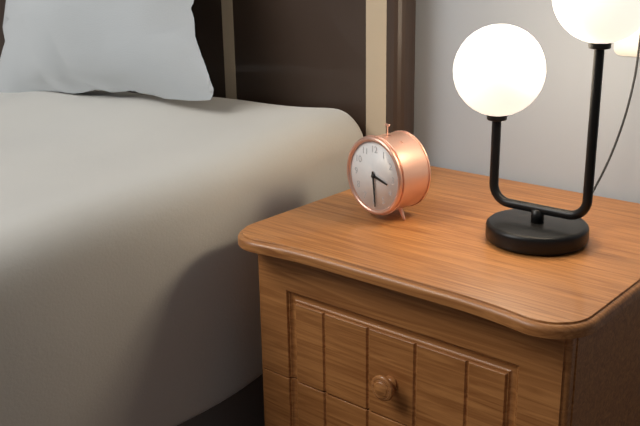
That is 3.29
